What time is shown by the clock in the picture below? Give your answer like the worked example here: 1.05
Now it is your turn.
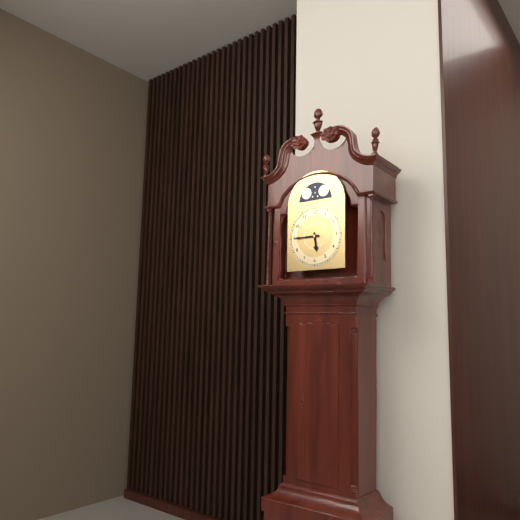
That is 5.45
